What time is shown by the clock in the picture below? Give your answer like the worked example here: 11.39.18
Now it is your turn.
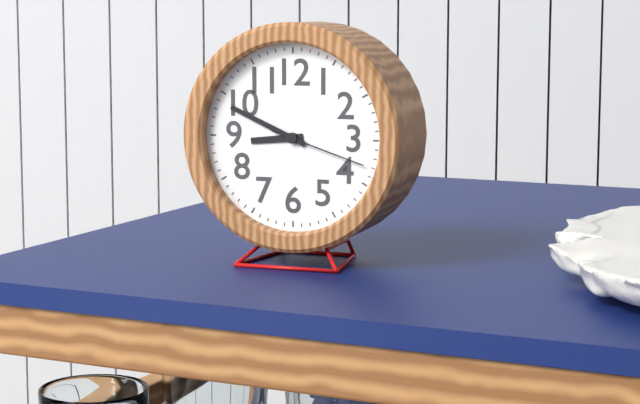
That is 8.49.18
